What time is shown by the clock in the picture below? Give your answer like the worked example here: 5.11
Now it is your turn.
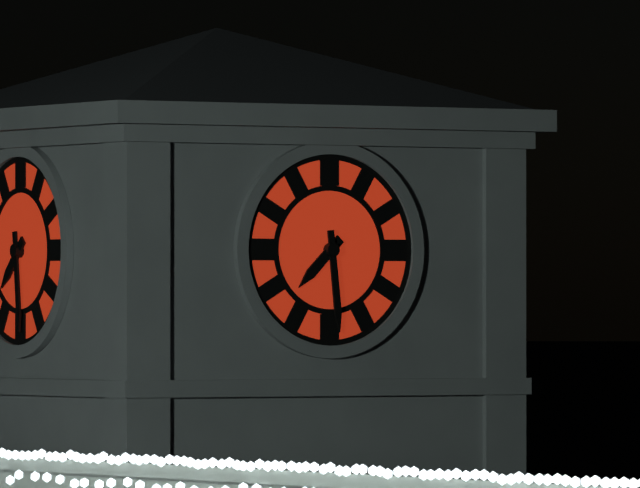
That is 7.29
